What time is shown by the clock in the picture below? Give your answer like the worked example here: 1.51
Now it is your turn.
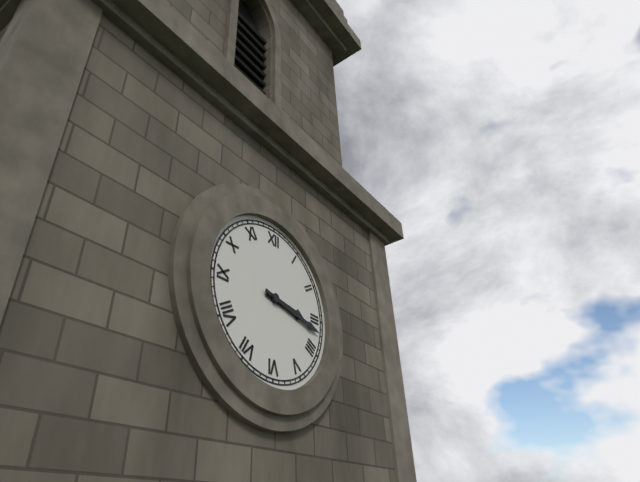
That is 3.17
